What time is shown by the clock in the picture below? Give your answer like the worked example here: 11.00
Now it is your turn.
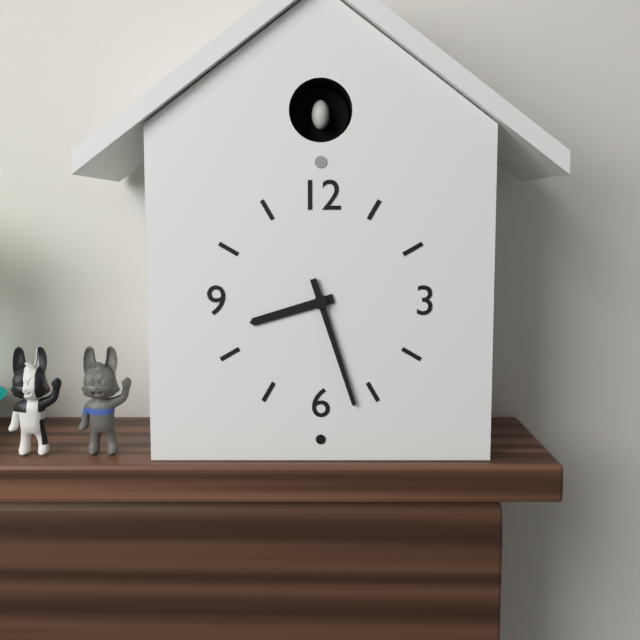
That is 8.27
